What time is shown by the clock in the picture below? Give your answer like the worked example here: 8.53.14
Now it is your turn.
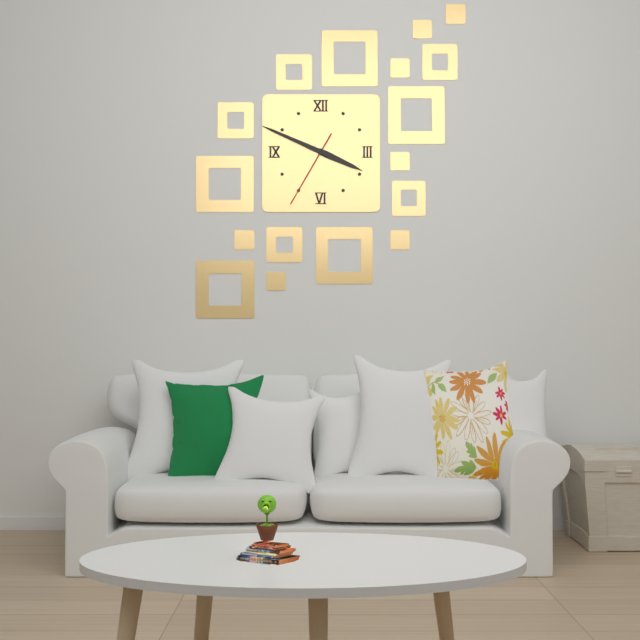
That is 3.49.35
